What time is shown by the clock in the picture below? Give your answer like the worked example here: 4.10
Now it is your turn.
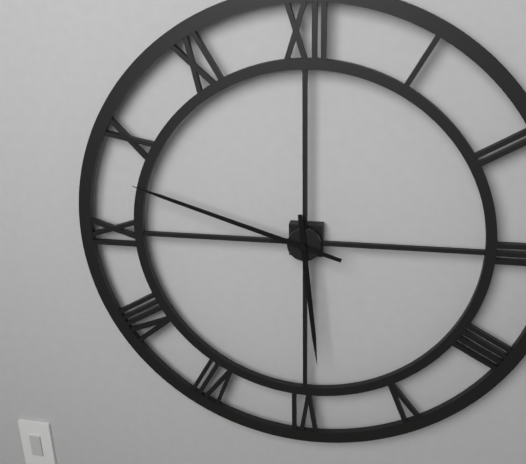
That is 5.48
